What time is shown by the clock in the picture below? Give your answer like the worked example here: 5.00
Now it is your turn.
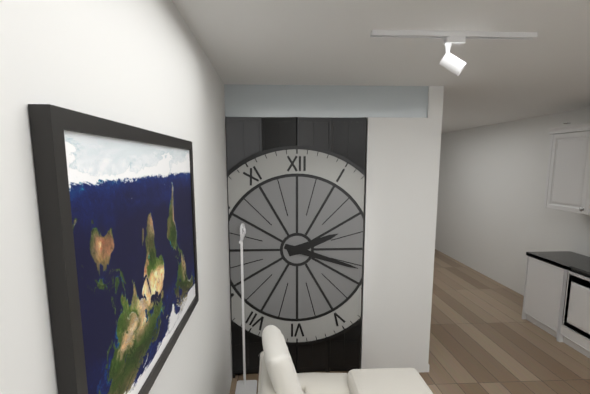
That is 2.18
